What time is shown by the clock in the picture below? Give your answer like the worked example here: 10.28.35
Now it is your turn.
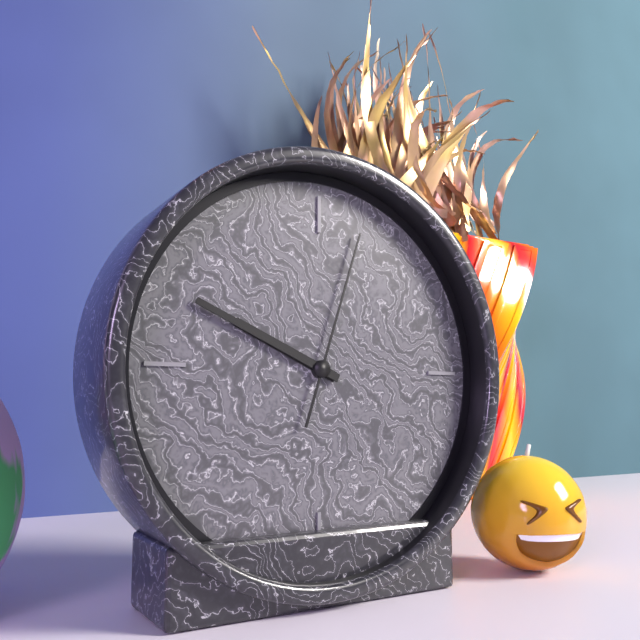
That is 9.49.03
